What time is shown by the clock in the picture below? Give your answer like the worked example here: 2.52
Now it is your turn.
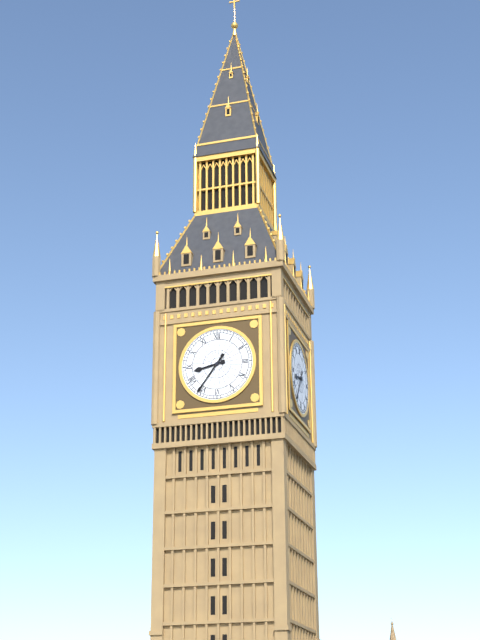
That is 8.36
